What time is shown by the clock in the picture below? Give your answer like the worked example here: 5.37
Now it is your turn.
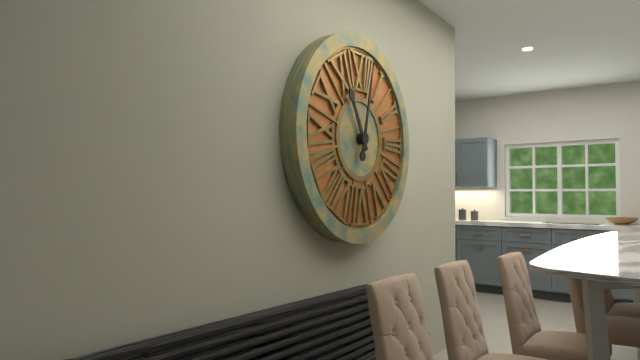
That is 11.02
